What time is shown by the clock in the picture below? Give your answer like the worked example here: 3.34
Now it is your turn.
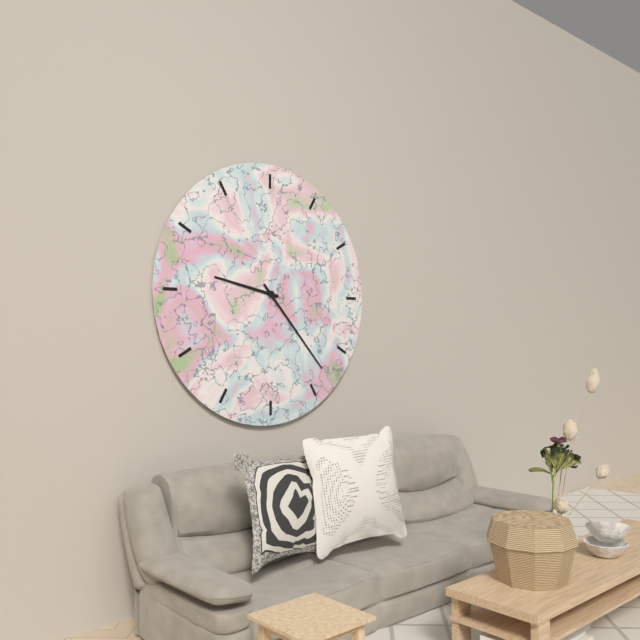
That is 9.23
